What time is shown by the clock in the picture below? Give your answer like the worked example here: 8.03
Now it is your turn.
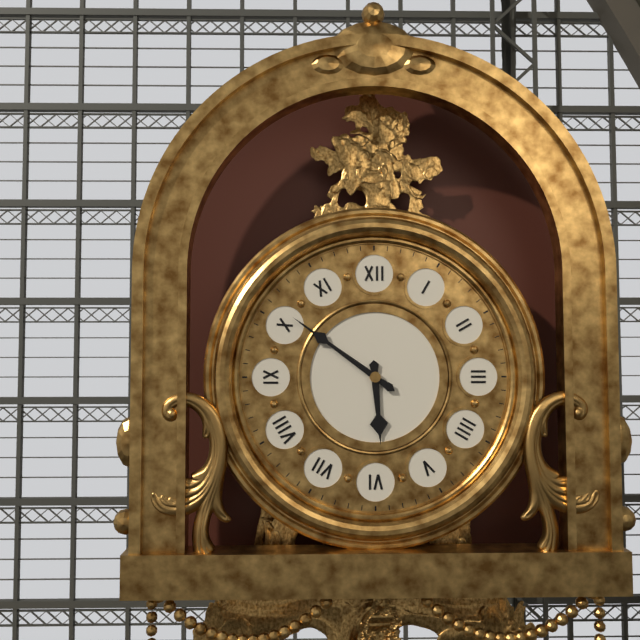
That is 5.51
